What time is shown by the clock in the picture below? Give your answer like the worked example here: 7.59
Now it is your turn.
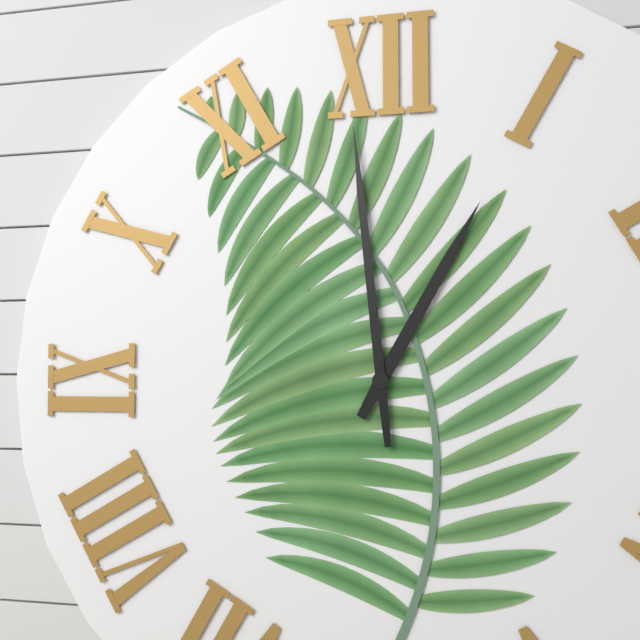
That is 12.59
